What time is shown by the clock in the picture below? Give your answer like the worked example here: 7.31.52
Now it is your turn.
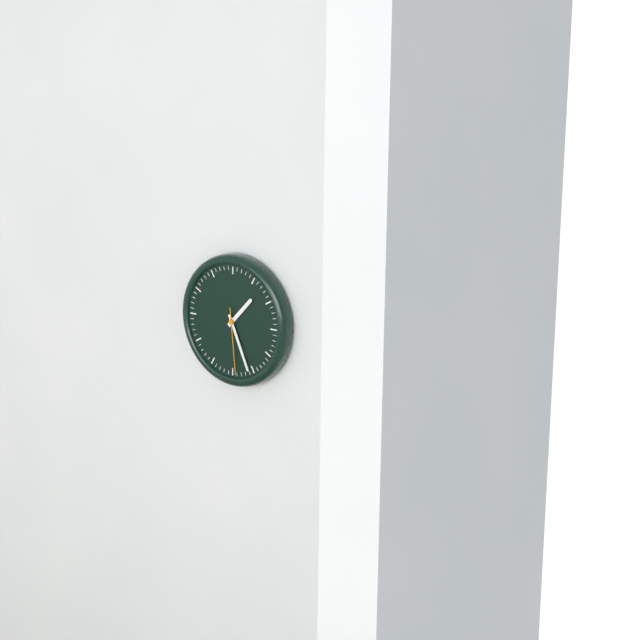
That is 1.26.29
